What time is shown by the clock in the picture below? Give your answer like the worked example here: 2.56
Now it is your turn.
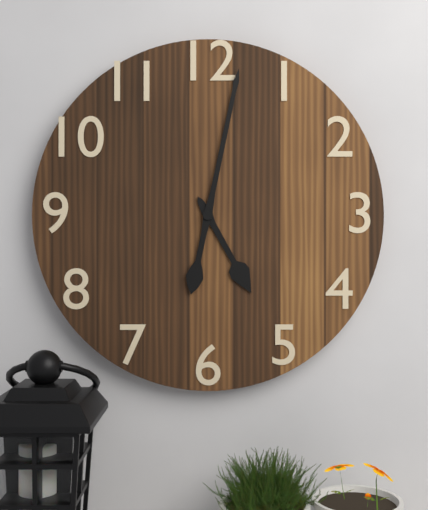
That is 5.02
